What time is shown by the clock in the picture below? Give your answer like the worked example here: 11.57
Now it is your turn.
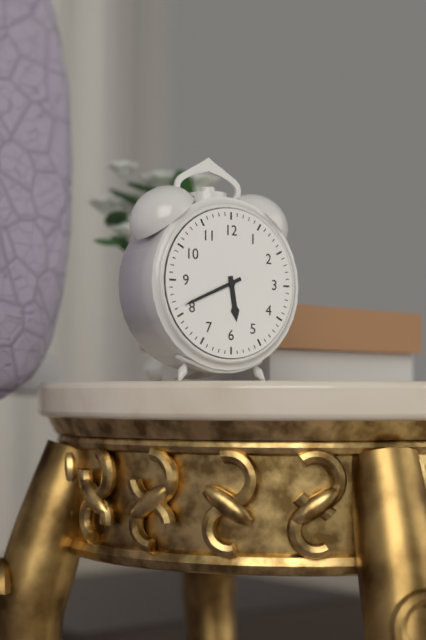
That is 5.41
